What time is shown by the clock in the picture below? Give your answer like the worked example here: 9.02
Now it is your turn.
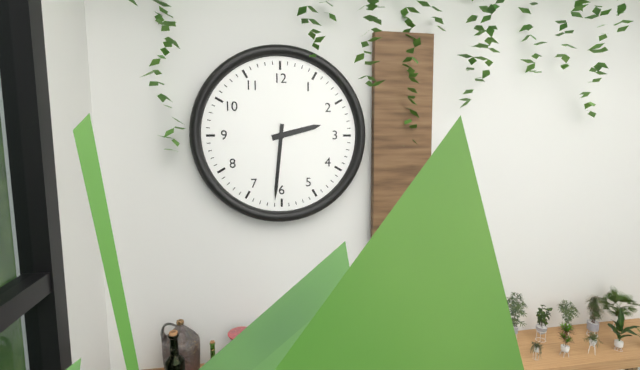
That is 2.31
